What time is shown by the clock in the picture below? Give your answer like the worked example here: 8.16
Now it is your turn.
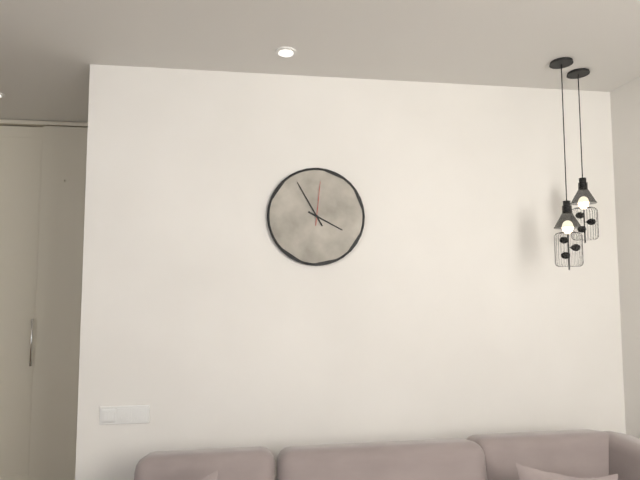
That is 3.55
